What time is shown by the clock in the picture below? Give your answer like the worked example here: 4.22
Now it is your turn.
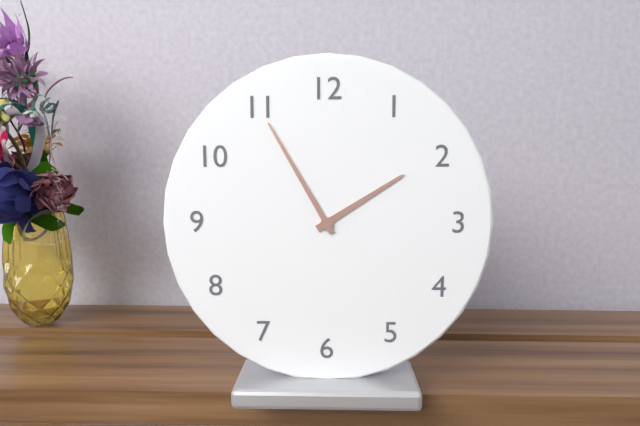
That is 1.55
